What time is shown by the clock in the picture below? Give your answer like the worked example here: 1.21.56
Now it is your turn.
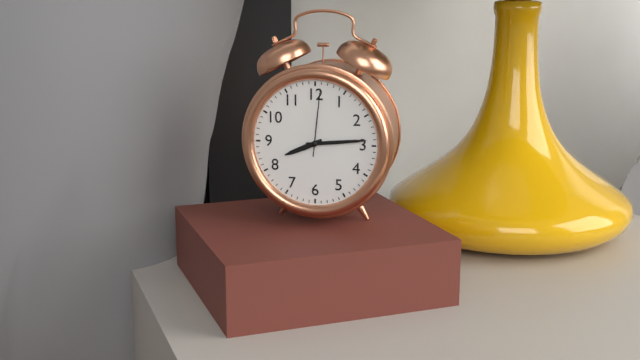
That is 8.14.01
